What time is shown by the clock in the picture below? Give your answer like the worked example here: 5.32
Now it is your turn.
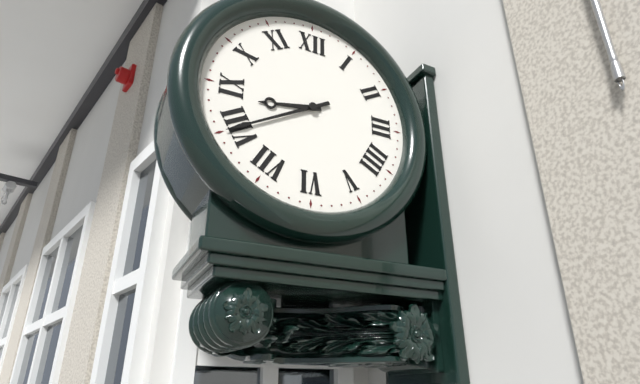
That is 8.40
